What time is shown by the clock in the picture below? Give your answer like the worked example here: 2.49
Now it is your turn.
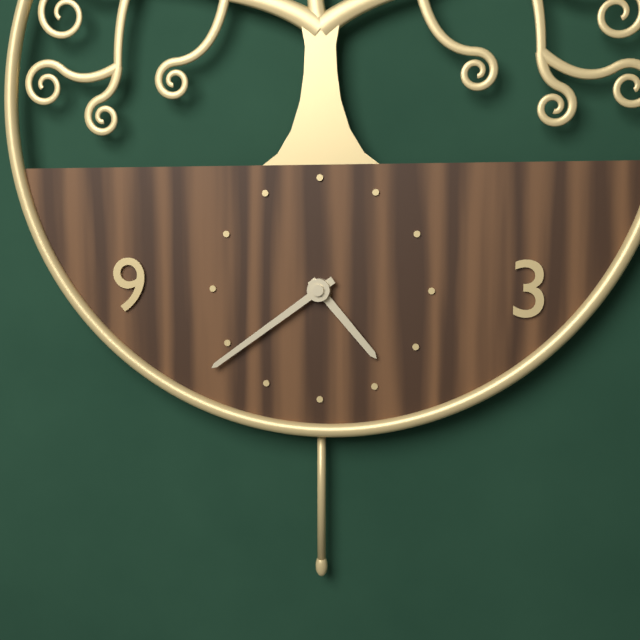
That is 4.39
